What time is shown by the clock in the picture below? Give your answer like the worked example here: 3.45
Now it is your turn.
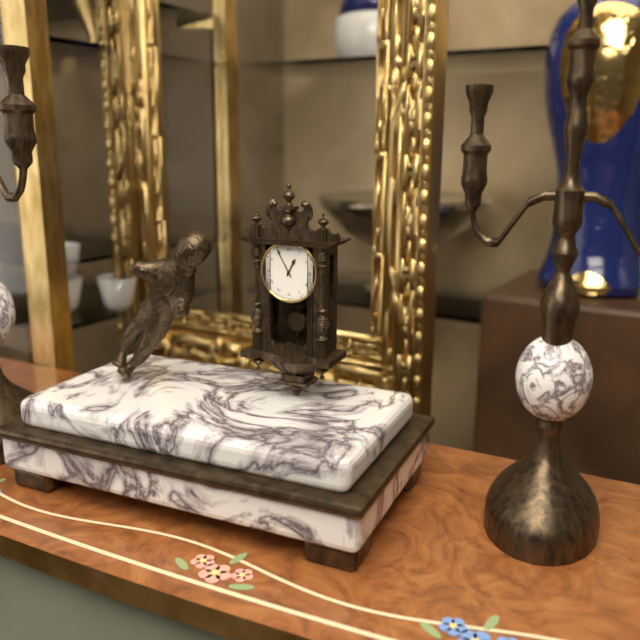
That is 12.55
